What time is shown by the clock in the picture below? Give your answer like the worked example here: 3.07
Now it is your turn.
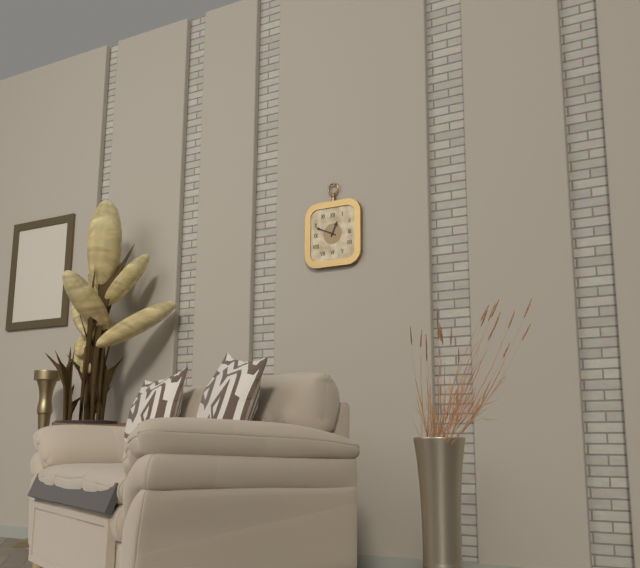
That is 12.49
